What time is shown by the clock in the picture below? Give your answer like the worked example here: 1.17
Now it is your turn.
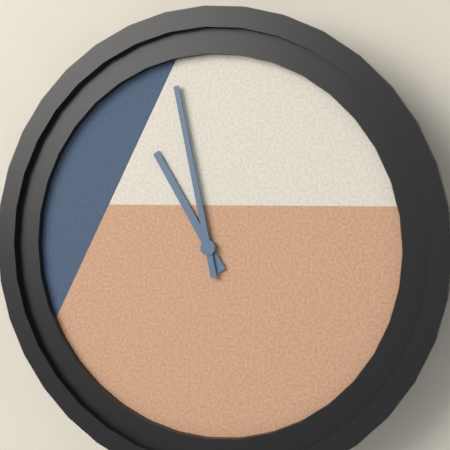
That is 10.58
